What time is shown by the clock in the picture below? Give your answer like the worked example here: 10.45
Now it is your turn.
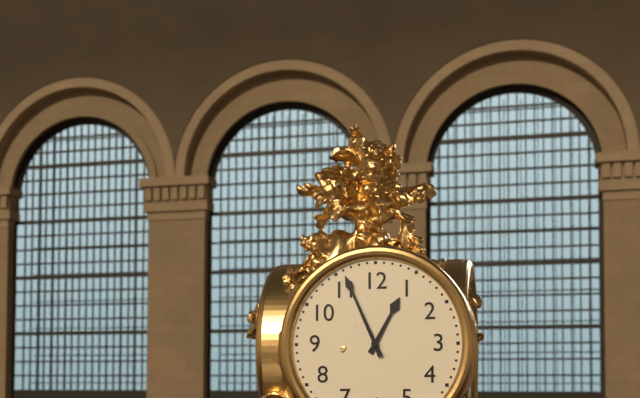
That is 12.56
